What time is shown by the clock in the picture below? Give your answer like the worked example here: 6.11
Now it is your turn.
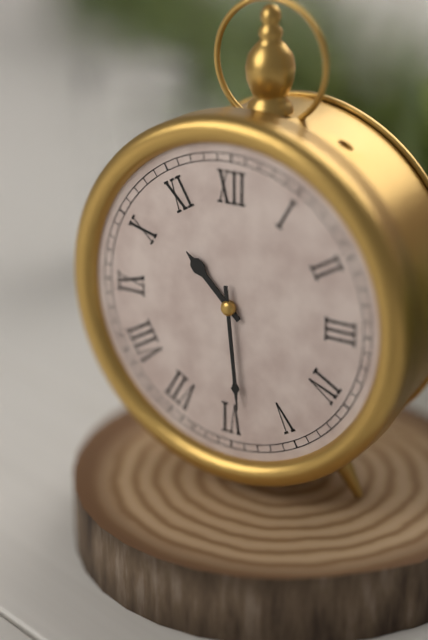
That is 10.29
